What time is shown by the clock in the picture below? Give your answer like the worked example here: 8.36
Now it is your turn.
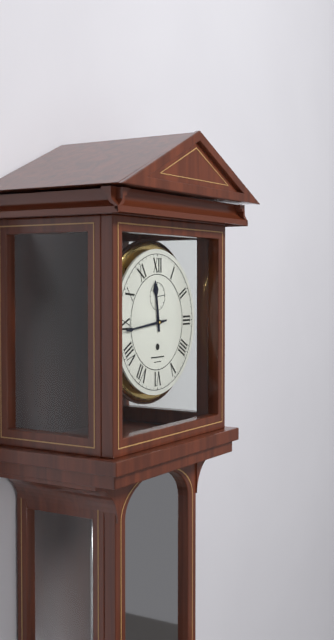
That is 11.44
